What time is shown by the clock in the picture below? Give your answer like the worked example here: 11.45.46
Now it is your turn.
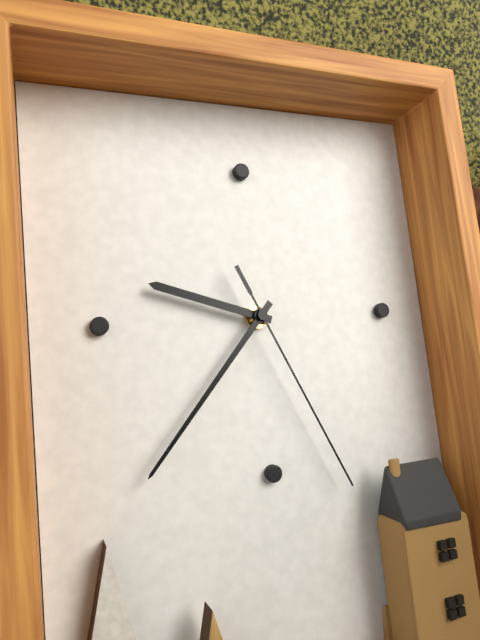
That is 9.37.26
